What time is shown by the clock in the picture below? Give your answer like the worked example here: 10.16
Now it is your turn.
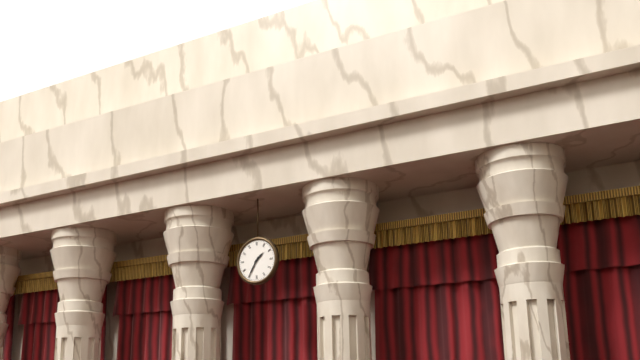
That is 1.35
